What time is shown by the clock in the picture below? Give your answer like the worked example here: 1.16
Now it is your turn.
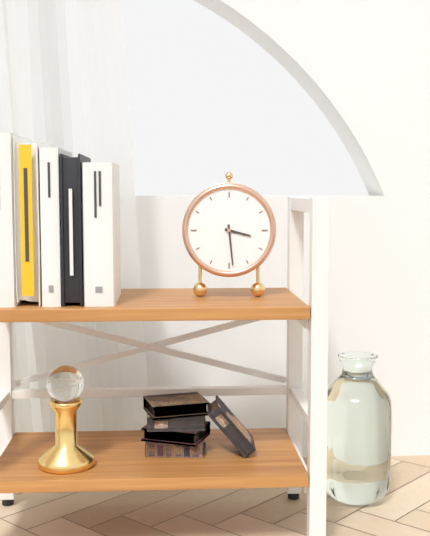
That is 3.29
